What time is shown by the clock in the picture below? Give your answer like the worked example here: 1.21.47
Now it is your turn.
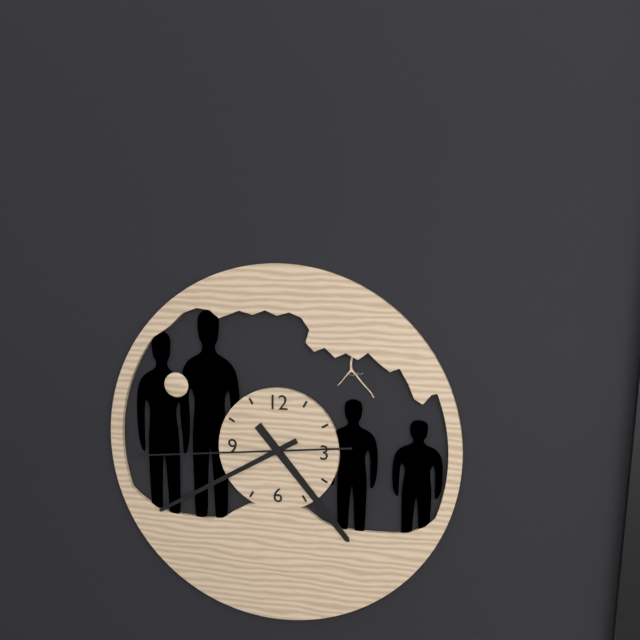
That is 4.40.44
